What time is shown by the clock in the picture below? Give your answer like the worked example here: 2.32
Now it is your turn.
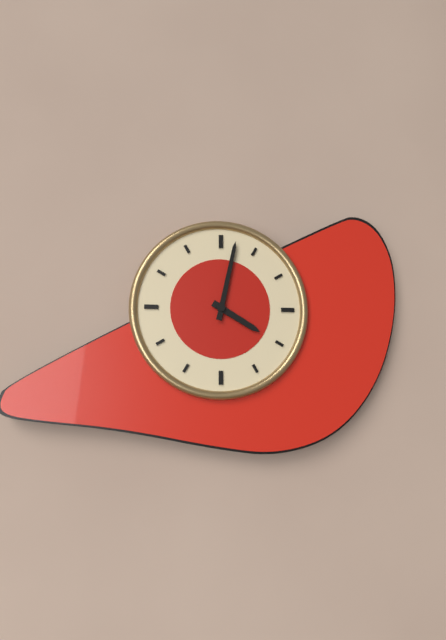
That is 4.02
